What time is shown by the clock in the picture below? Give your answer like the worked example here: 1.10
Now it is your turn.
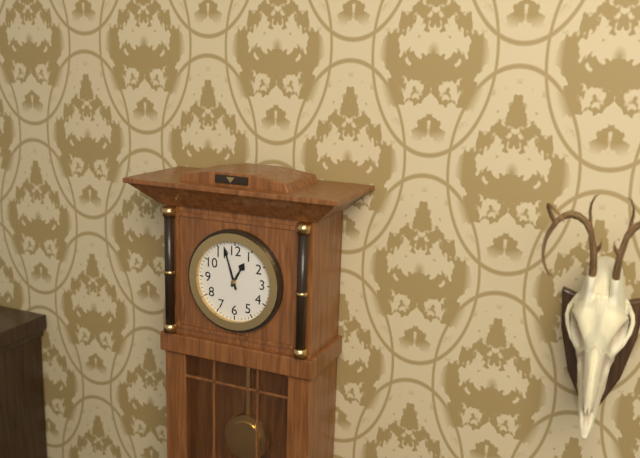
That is 12.57
